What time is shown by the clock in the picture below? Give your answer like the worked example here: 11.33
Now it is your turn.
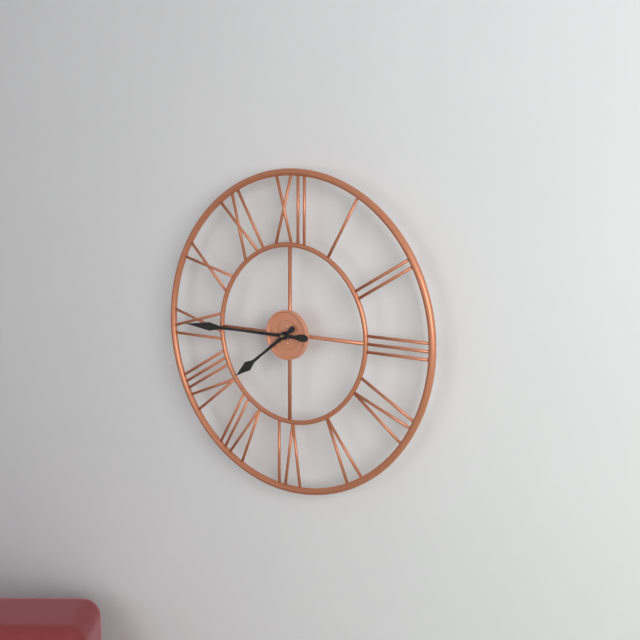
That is 7.45
